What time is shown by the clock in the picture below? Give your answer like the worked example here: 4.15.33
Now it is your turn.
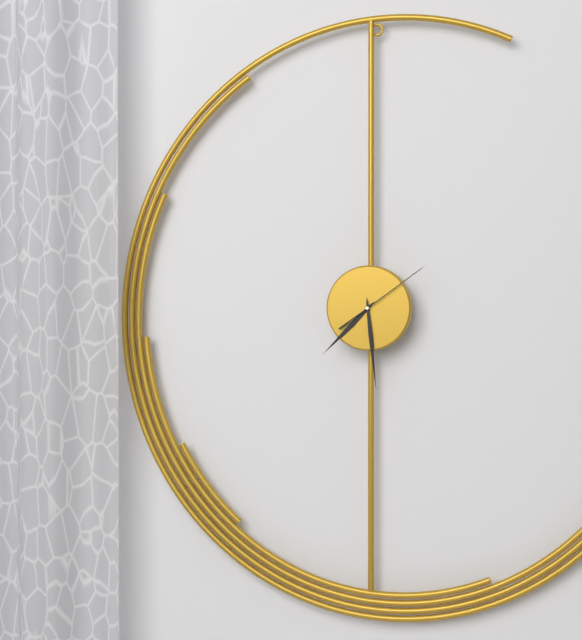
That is 7.29.09
